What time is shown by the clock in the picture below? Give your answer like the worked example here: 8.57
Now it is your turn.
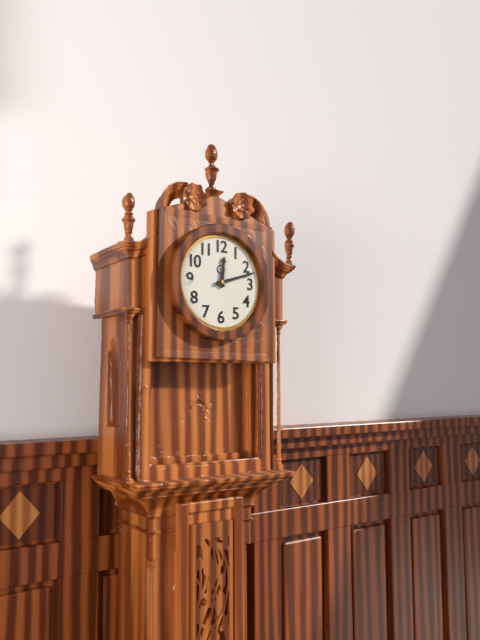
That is 12.12
